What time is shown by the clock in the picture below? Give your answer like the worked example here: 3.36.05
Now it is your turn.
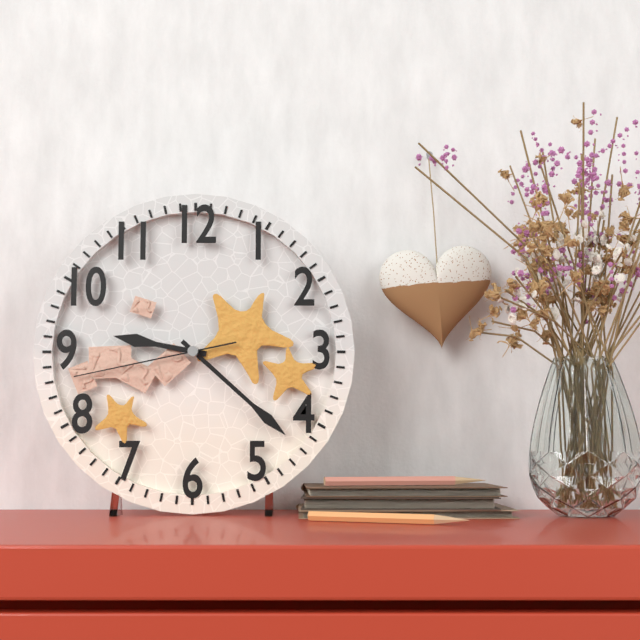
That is 9.22.43
